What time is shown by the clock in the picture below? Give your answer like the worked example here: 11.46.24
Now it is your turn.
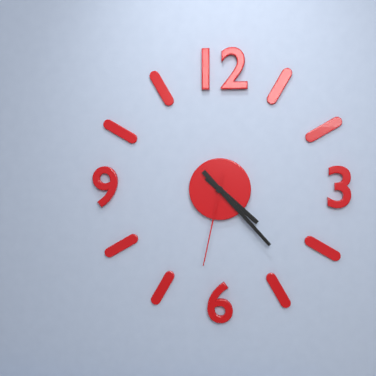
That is 4.23.32
